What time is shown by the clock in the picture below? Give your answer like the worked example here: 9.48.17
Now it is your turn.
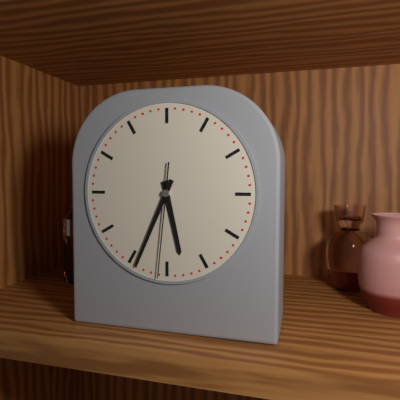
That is 5.34.31
